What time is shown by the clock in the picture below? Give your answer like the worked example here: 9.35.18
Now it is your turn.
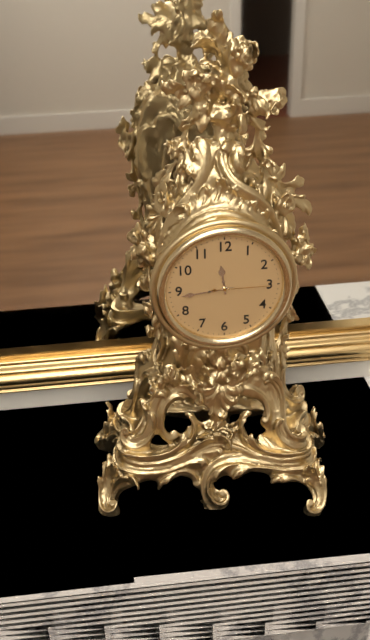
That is 11.44.15
